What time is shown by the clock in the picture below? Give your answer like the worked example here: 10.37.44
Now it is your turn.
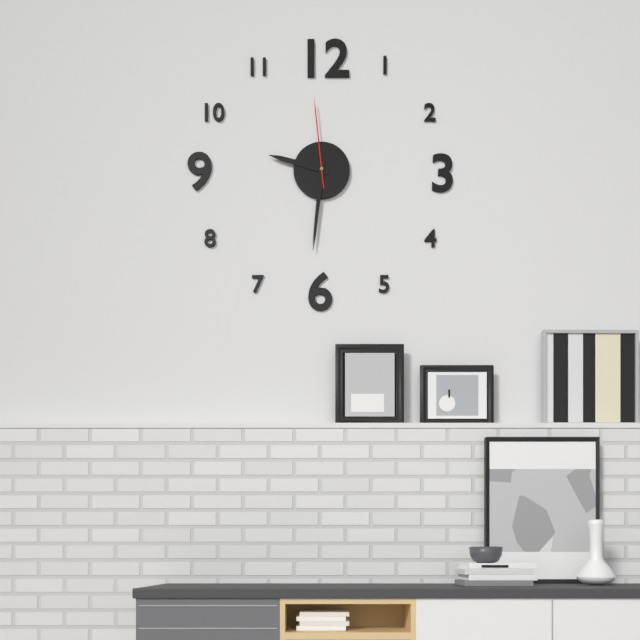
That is 9.31.59
